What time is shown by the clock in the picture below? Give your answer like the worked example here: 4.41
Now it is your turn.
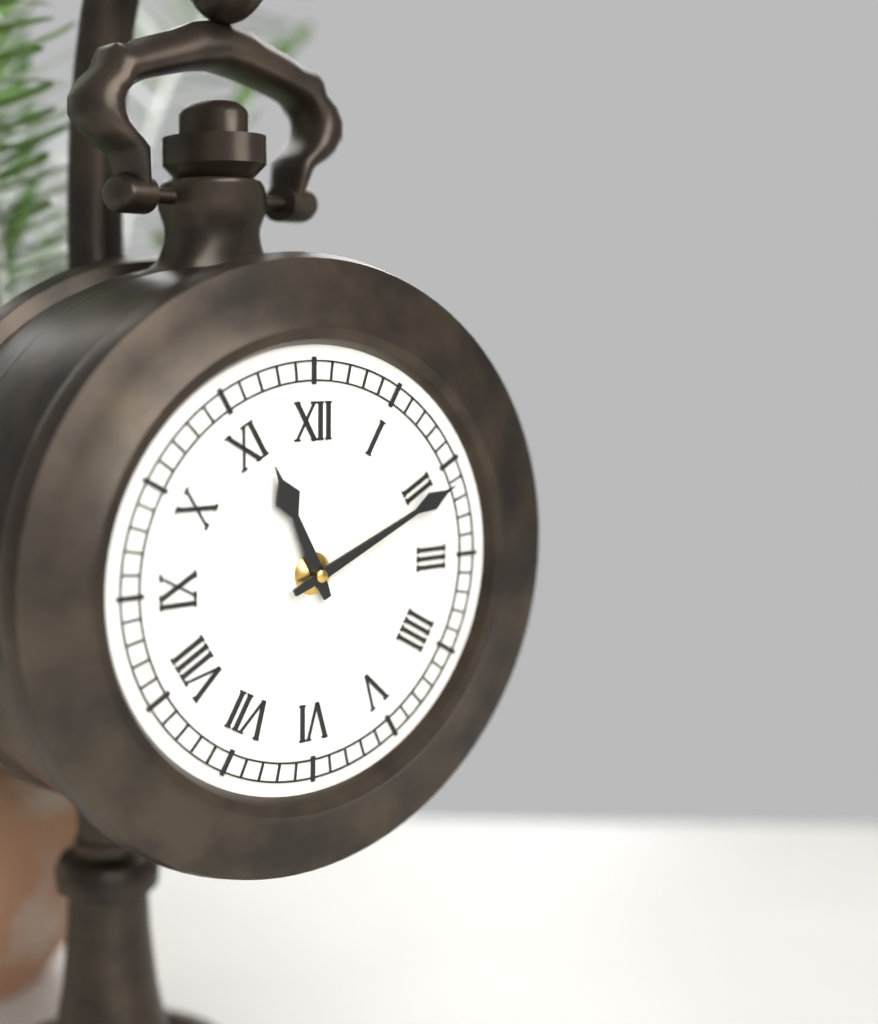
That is 11.11
